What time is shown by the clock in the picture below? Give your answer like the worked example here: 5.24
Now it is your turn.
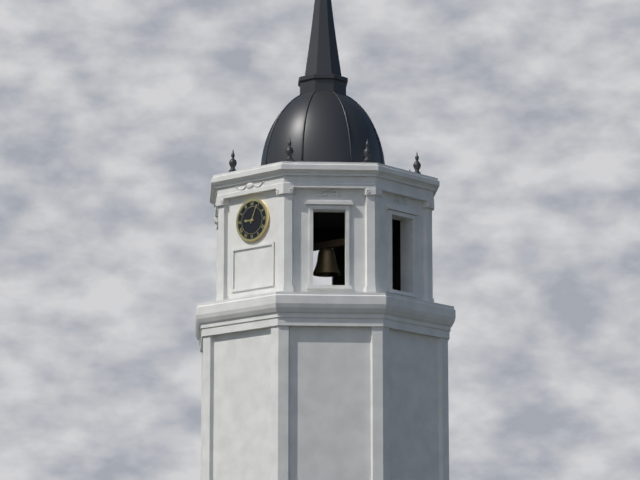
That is 9.04
